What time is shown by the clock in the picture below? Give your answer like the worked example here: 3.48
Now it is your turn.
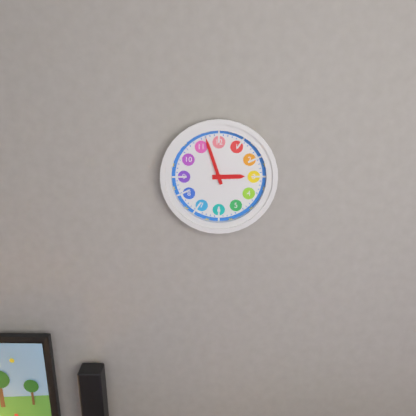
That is 2.57
